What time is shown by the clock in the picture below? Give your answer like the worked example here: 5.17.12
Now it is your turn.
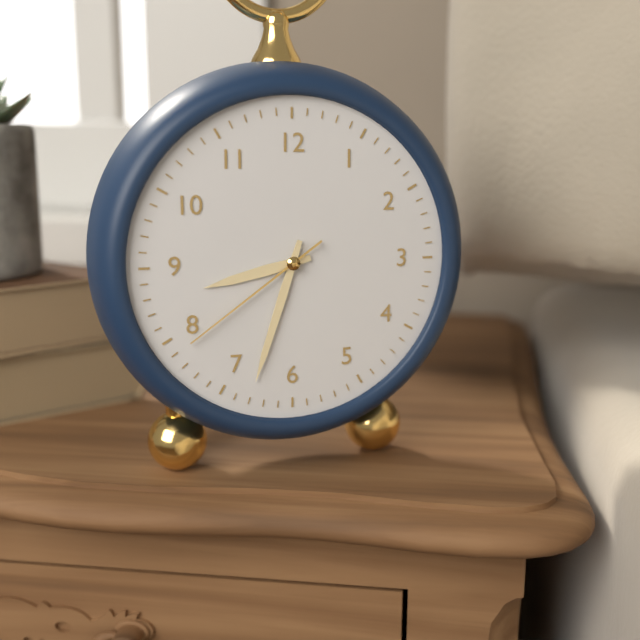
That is 8.33.39
